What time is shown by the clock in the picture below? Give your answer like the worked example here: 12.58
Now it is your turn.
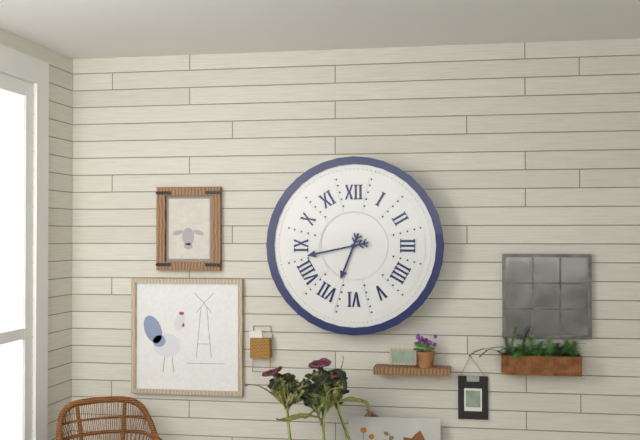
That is 6.43
